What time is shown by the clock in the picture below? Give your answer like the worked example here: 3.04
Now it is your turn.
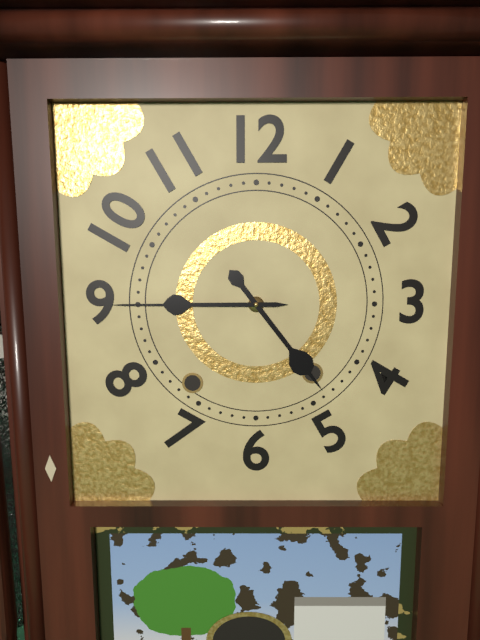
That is 4.45
